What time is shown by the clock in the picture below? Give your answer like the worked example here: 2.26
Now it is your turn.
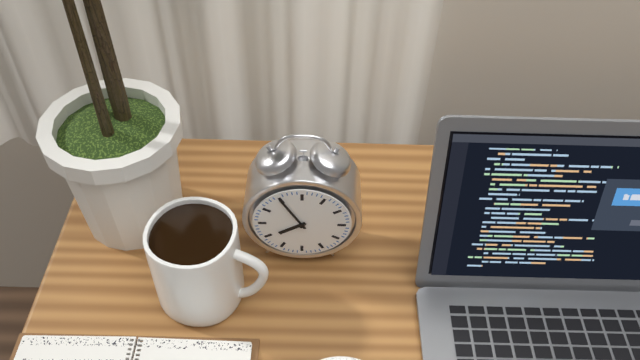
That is 7.55
